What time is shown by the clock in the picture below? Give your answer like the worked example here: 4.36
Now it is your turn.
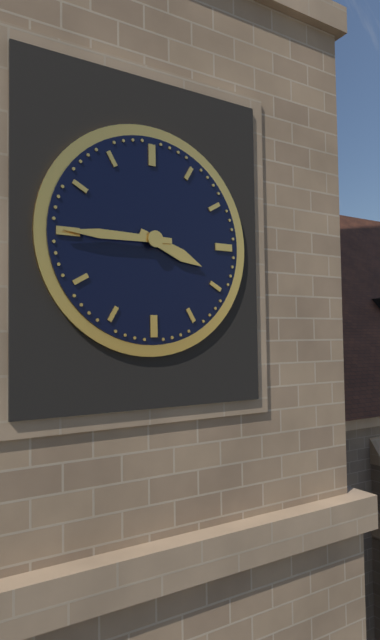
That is 3.45
